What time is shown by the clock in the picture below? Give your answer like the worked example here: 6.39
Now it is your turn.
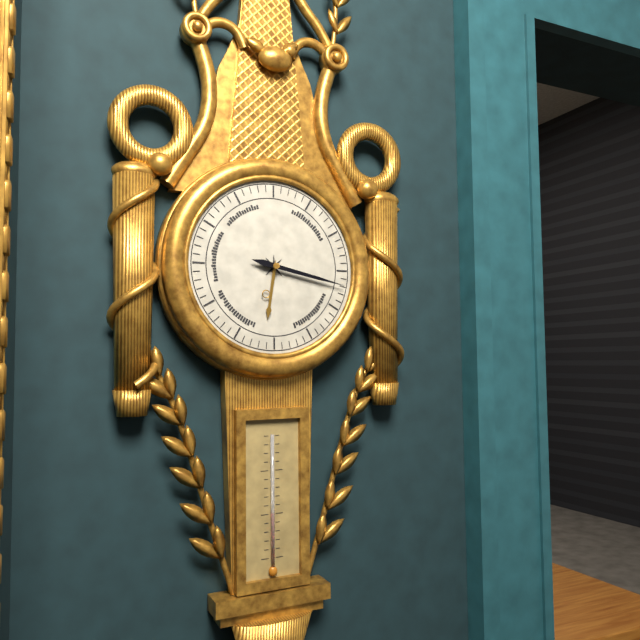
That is 6.17
